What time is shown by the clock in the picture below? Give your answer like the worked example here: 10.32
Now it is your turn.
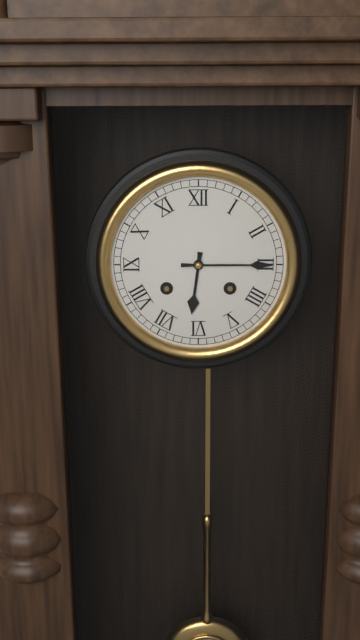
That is 6.15
